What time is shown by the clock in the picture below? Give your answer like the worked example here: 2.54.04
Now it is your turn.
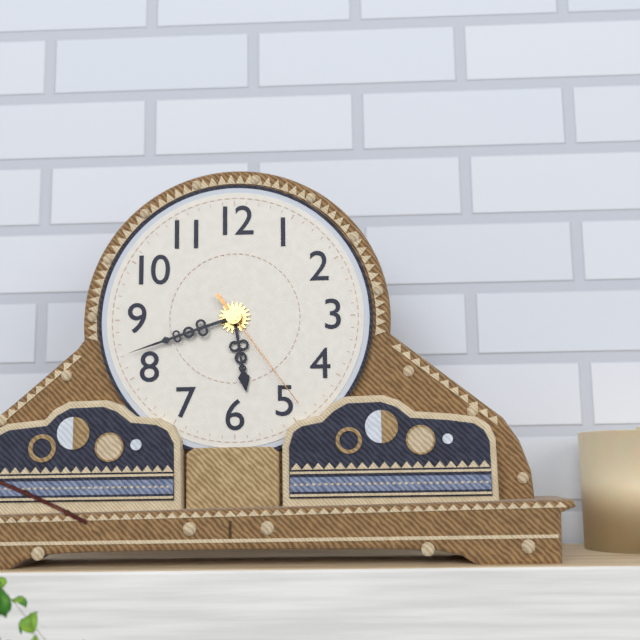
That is 5.42.24
